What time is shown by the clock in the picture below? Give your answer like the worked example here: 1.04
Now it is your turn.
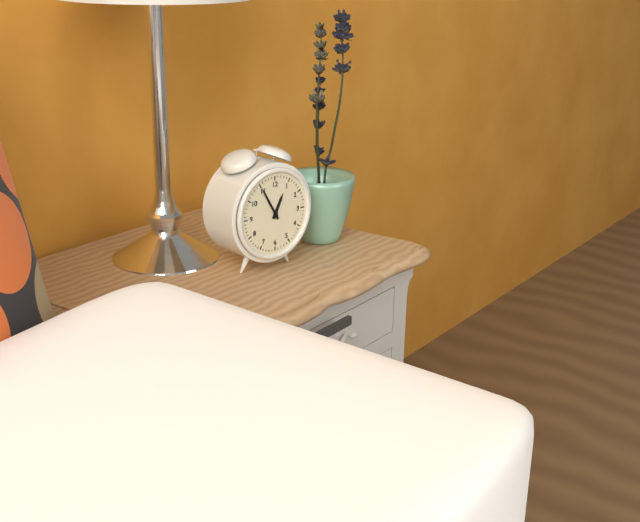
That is 12.55
